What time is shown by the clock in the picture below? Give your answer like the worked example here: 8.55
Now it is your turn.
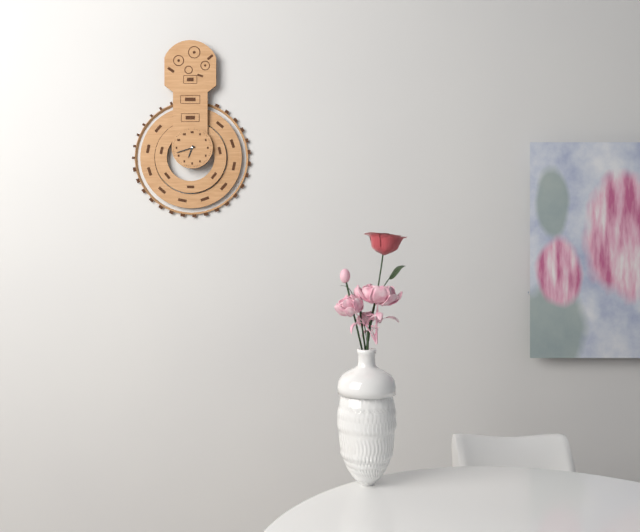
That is 6.42
